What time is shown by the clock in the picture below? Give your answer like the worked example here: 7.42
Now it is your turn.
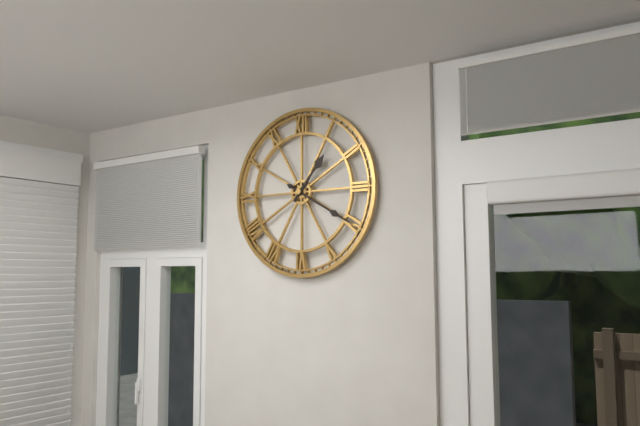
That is 1.20
